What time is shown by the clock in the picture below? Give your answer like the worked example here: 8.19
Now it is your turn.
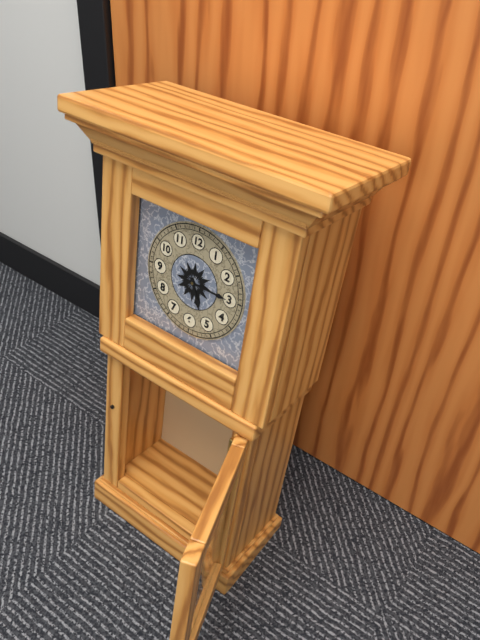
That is 5.15
